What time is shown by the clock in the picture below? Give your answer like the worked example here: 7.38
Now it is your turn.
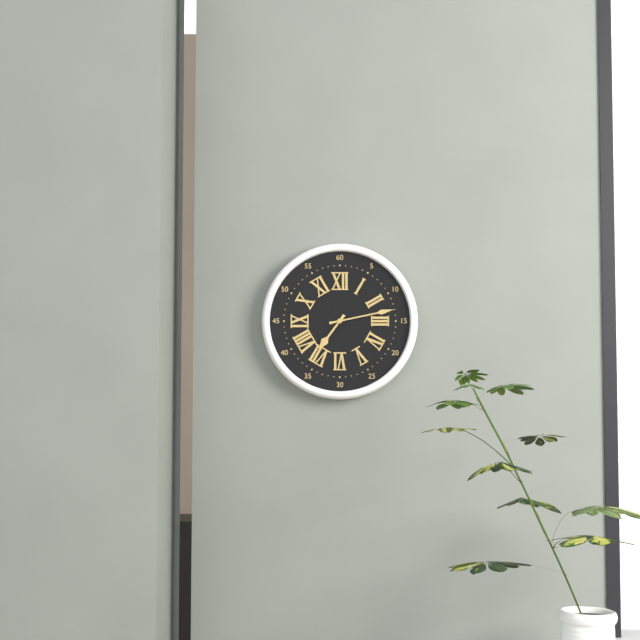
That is 7.13
